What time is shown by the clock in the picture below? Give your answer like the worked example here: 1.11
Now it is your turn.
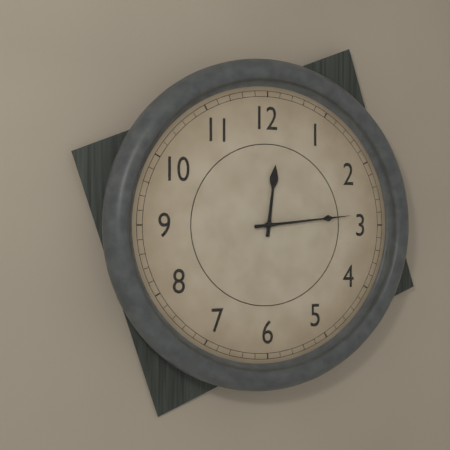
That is 12.14
